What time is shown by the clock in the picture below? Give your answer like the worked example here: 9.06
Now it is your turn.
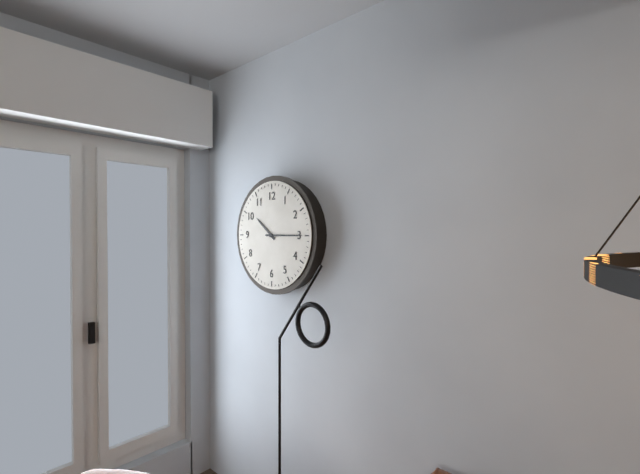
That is 10.15
